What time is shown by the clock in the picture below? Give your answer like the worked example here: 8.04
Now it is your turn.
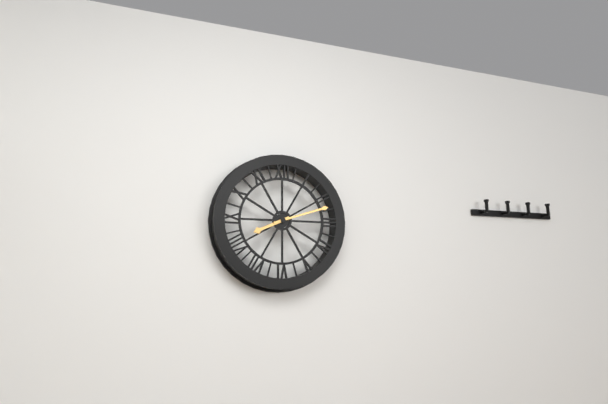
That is 8.12
